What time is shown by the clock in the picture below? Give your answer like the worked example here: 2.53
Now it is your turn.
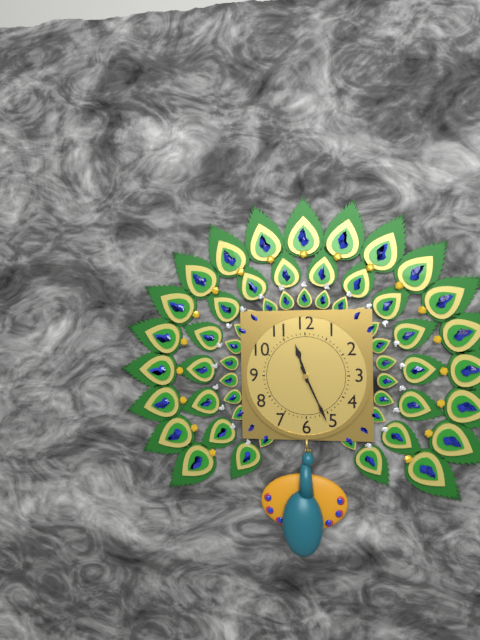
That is 11.26
